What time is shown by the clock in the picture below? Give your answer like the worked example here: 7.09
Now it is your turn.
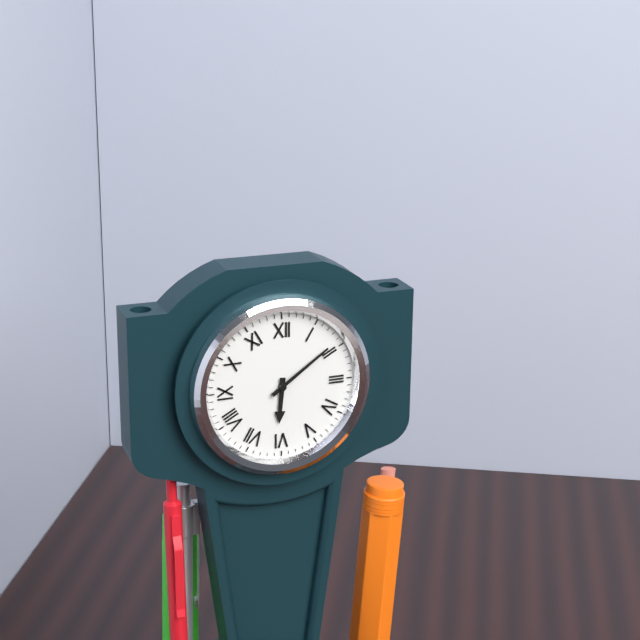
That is 6.09
